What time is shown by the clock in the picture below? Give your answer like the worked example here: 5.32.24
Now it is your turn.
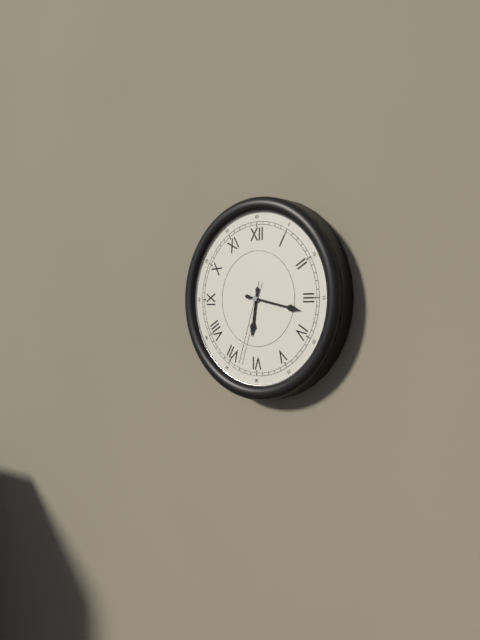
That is 6.17.33
